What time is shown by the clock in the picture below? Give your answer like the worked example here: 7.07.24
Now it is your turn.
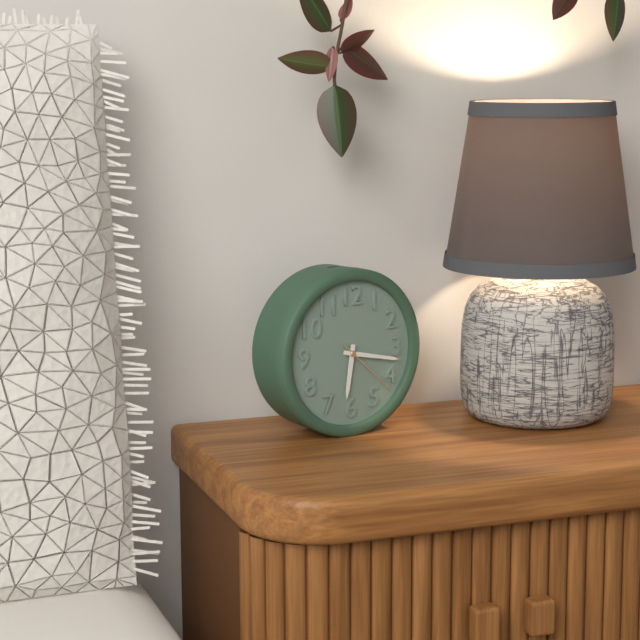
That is 6.17.22
